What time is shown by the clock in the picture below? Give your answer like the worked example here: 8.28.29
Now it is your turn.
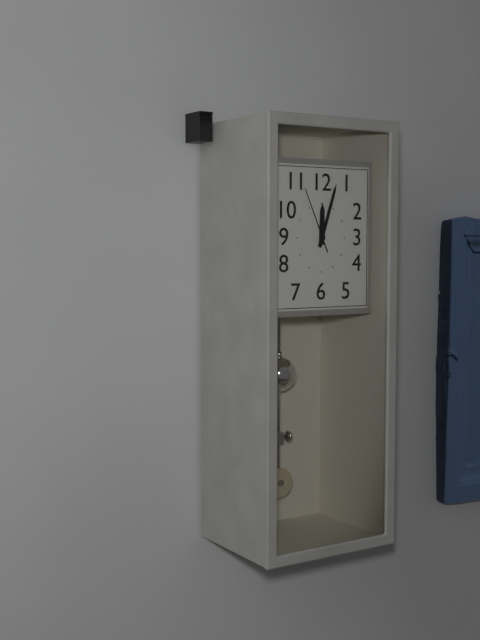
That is 12.03.56
